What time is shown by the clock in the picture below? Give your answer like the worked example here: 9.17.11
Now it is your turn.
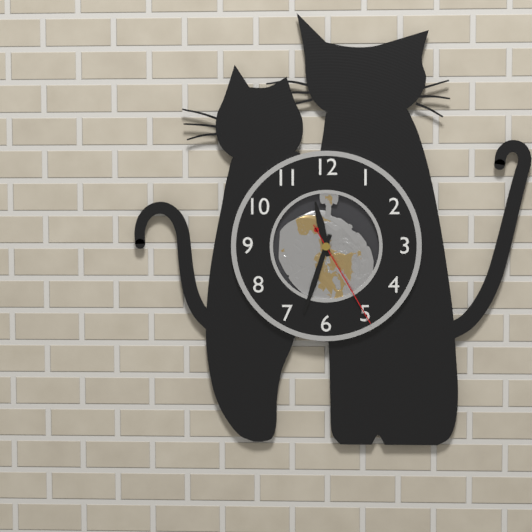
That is 11.33.25
